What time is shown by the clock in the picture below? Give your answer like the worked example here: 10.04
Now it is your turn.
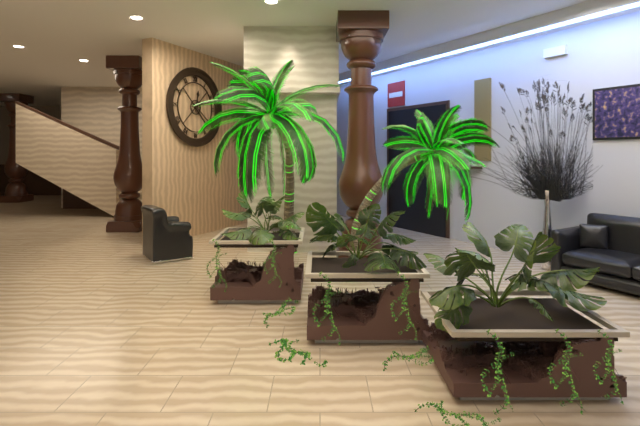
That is 12.21
